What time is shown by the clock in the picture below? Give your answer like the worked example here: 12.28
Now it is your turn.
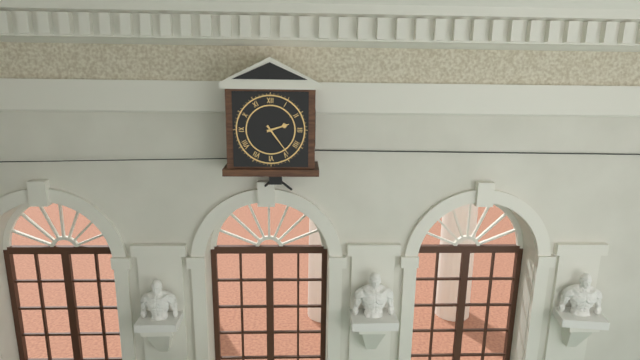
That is 2.24
